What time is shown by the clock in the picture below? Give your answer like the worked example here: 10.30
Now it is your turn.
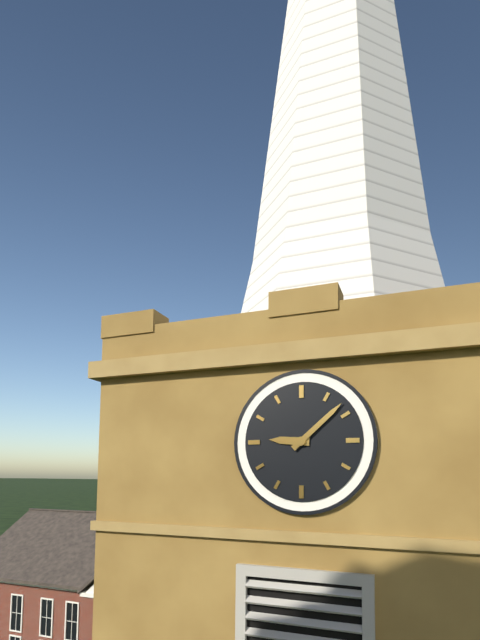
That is 9.08
